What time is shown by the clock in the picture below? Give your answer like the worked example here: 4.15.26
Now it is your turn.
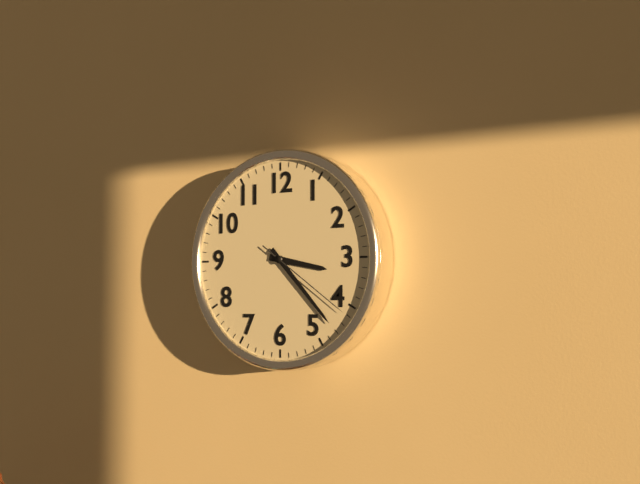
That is 3.23.21
